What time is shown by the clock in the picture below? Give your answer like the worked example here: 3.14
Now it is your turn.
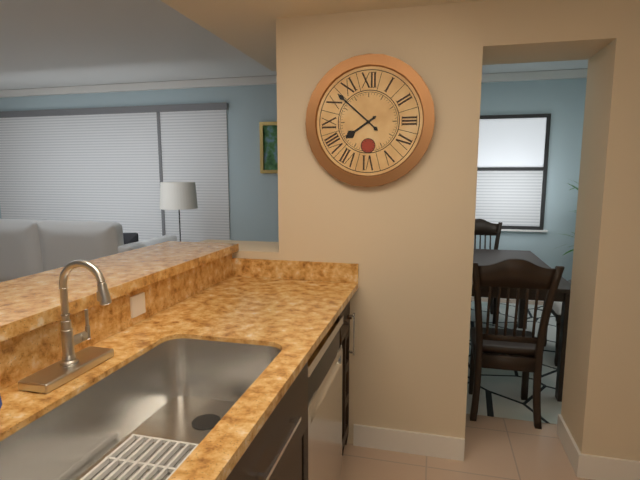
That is 7.52
